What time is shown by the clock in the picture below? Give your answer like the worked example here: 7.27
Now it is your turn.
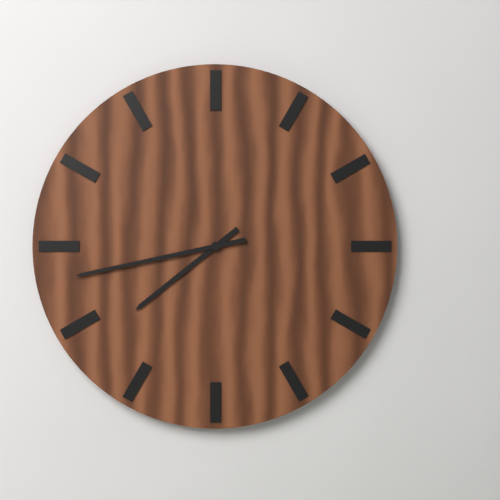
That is 7.43
